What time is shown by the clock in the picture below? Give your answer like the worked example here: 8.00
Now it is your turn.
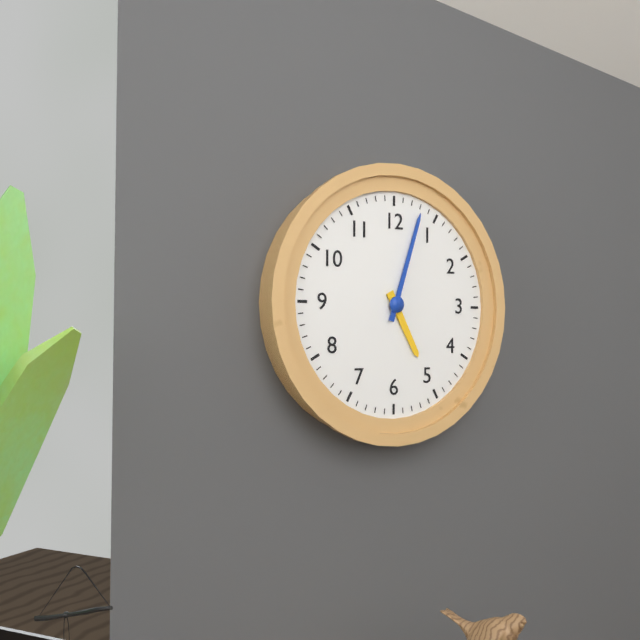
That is 5.03
